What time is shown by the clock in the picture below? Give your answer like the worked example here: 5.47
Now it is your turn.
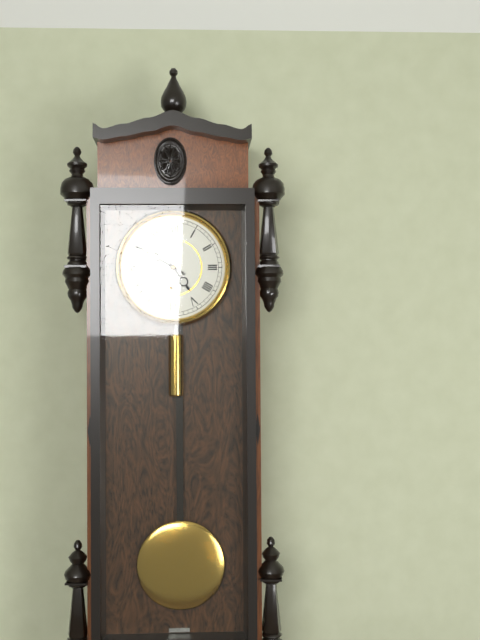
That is 4.50
